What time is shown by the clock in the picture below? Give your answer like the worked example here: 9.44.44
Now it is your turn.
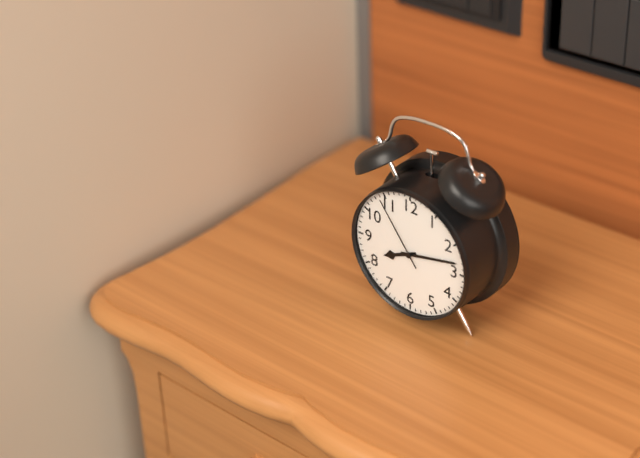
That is 8.13.54
